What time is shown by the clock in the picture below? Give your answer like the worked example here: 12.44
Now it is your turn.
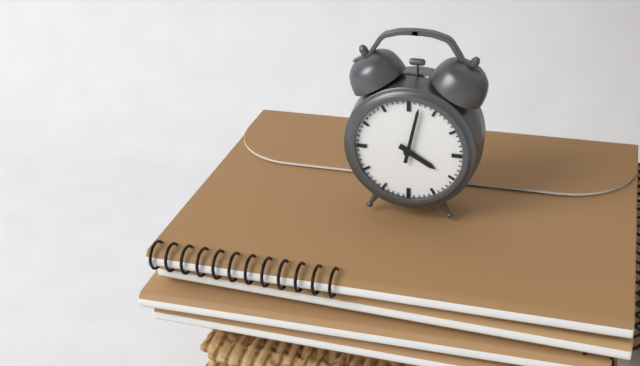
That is 4.02
